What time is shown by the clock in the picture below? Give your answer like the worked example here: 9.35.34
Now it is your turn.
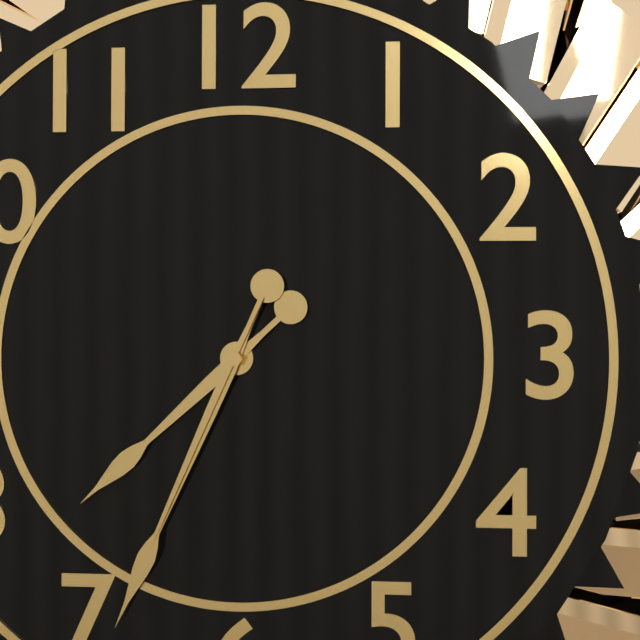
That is 7.34.34
